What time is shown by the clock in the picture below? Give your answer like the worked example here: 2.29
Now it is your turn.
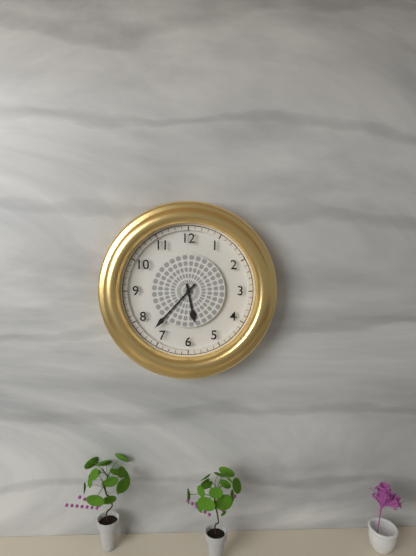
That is 5.37
